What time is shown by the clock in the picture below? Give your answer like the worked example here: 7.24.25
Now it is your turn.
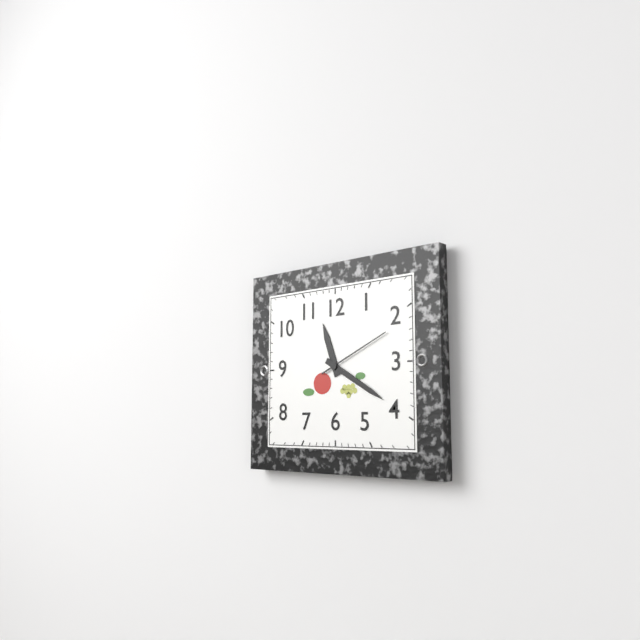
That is 11.20.11
